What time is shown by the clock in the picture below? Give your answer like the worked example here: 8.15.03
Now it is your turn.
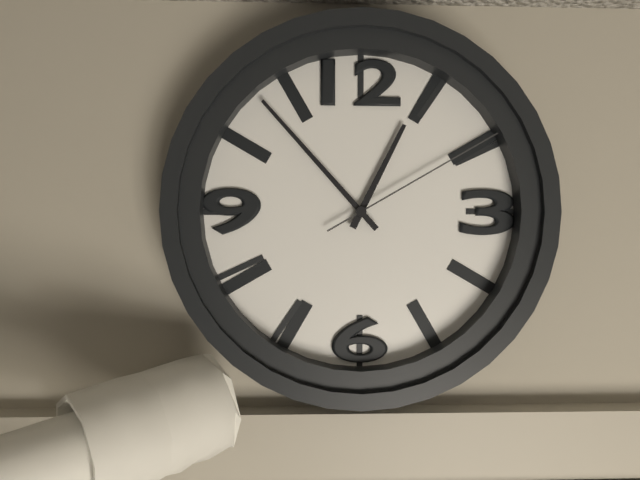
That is 12.53.10
